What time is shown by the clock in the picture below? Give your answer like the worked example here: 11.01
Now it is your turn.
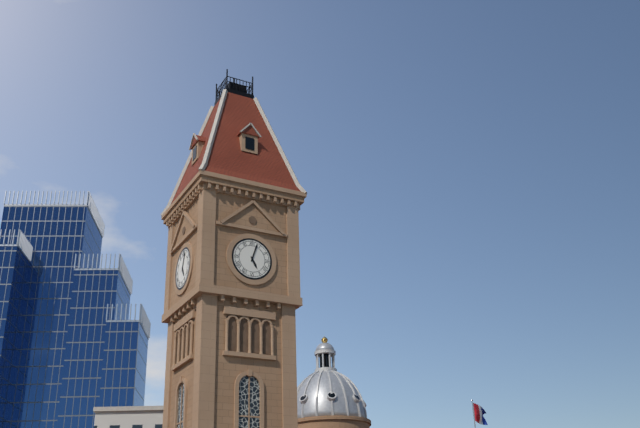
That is 5.03
